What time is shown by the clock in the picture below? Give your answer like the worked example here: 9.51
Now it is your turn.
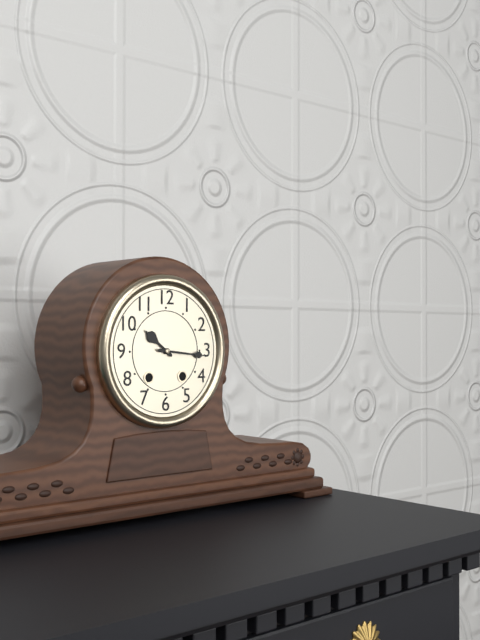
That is 10.16
